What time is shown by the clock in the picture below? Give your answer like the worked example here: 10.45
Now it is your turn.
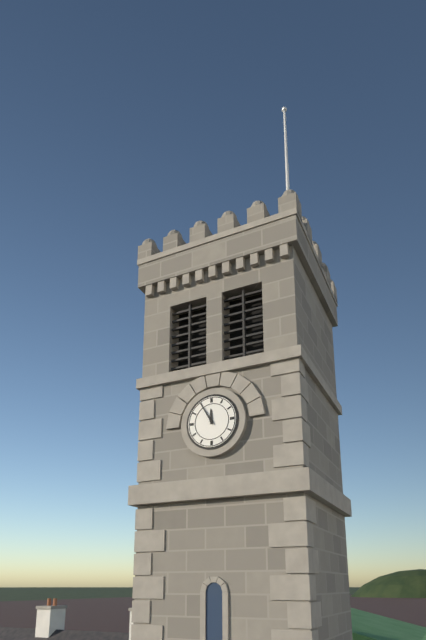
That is 11.55
